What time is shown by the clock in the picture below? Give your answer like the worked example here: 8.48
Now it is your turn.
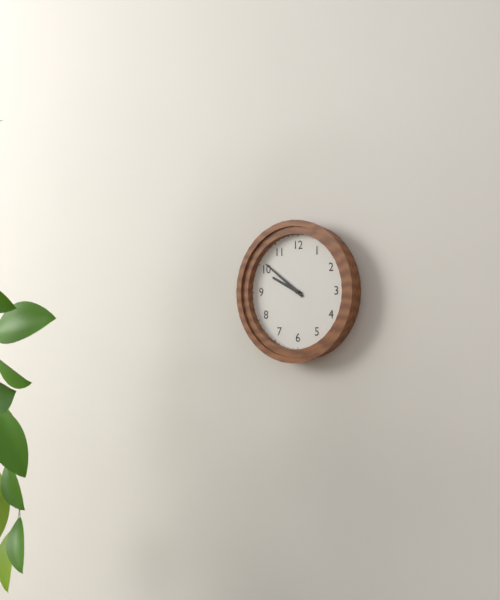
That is 9.51
